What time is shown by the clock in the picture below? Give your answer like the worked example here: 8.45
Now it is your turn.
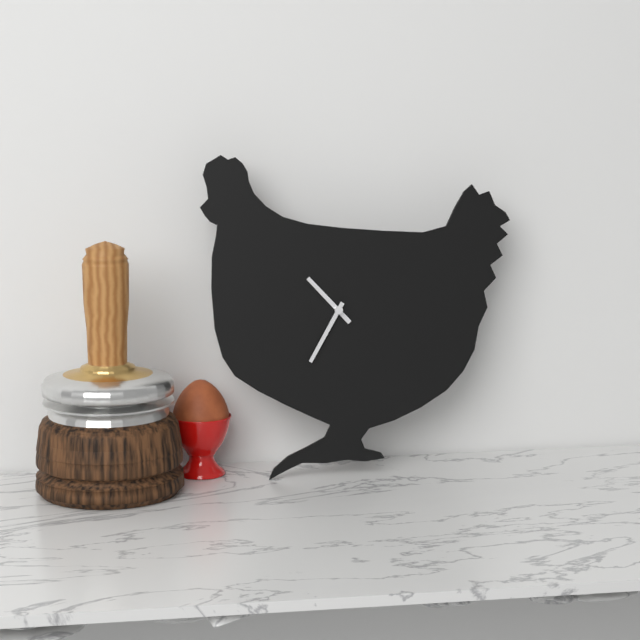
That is 10.35
